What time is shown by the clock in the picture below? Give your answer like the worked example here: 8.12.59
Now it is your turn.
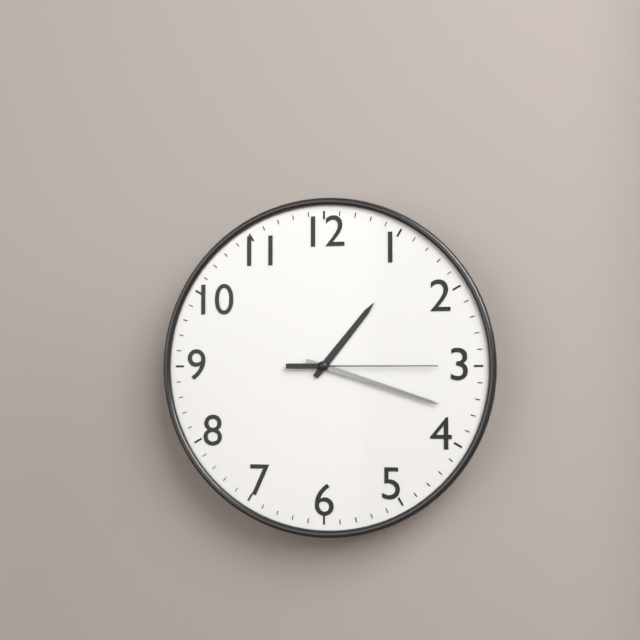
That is 1.18.15
